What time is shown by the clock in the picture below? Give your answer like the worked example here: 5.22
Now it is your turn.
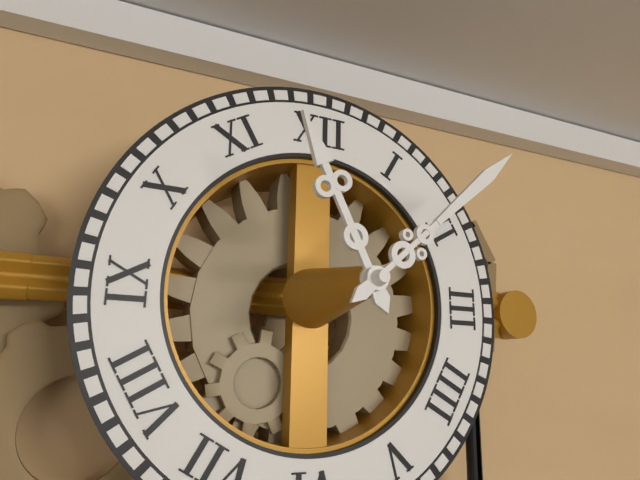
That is 11.08
